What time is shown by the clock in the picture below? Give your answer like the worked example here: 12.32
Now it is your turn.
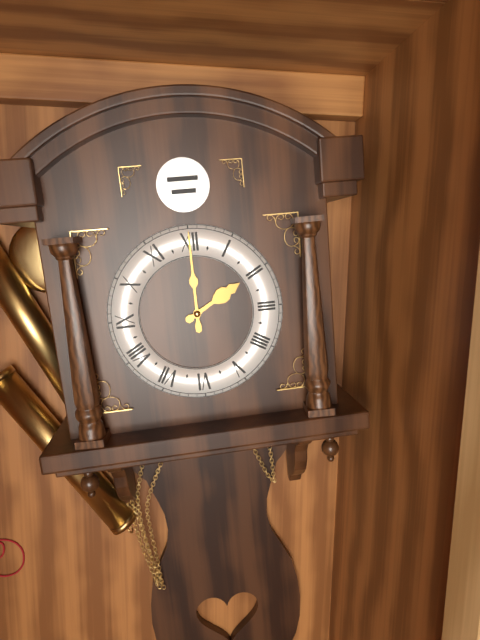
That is 2.00
